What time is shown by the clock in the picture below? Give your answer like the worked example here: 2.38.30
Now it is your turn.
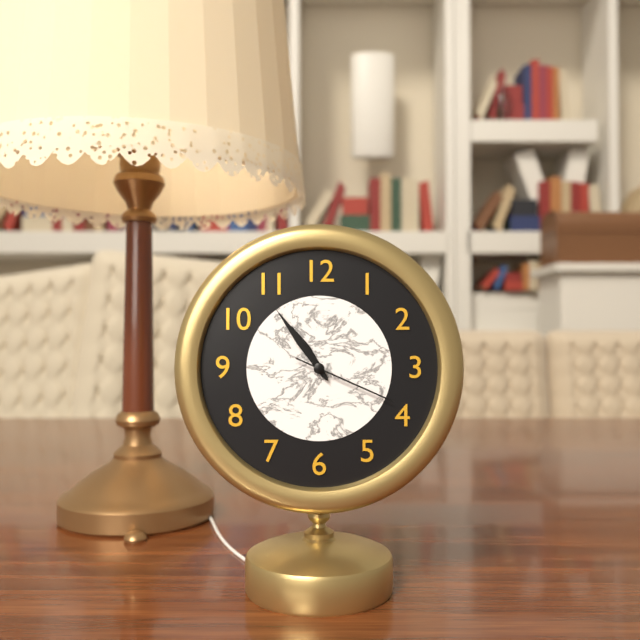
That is 10.54.19
